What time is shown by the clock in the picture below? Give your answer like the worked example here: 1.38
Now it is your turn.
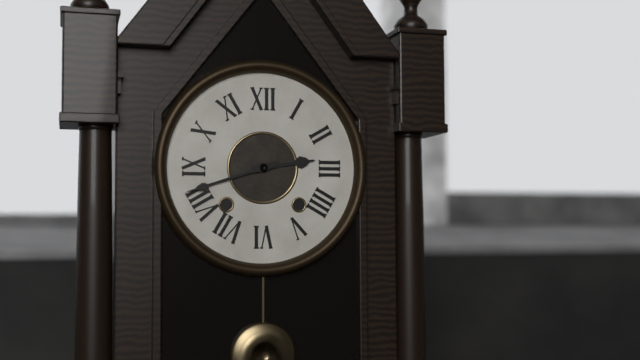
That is 2.42
